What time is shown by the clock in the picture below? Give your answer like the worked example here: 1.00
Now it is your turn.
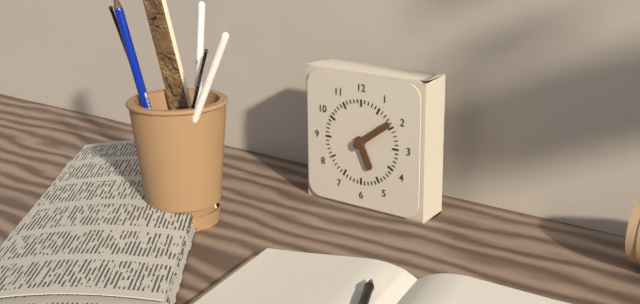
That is 5.09
